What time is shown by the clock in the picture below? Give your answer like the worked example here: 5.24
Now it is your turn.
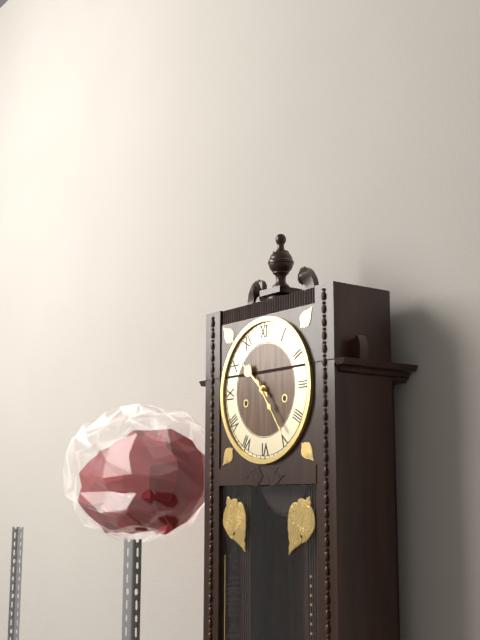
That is 10.24
